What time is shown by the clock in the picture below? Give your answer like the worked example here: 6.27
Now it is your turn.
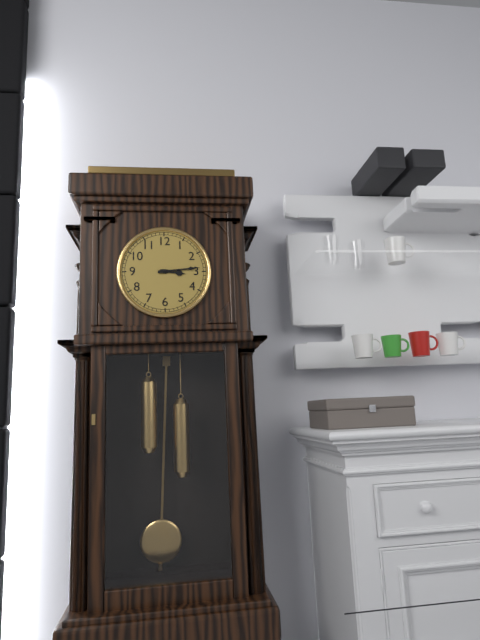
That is 3.14
